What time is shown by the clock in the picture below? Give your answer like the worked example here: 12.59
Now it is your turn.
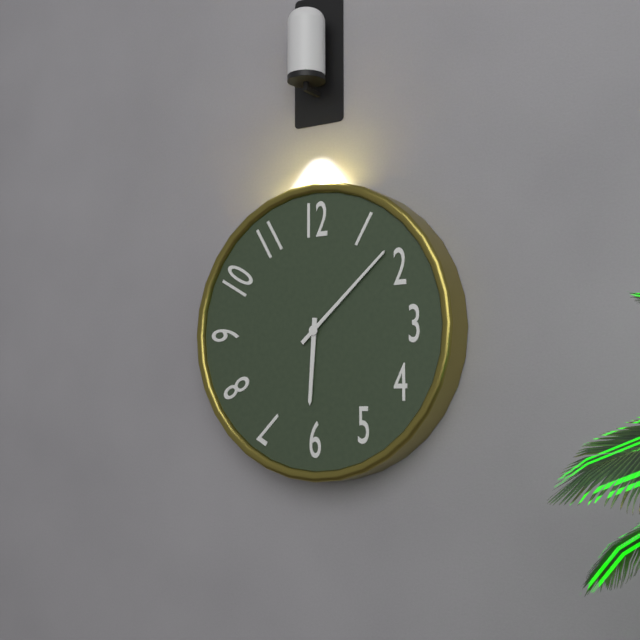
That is 6.08
